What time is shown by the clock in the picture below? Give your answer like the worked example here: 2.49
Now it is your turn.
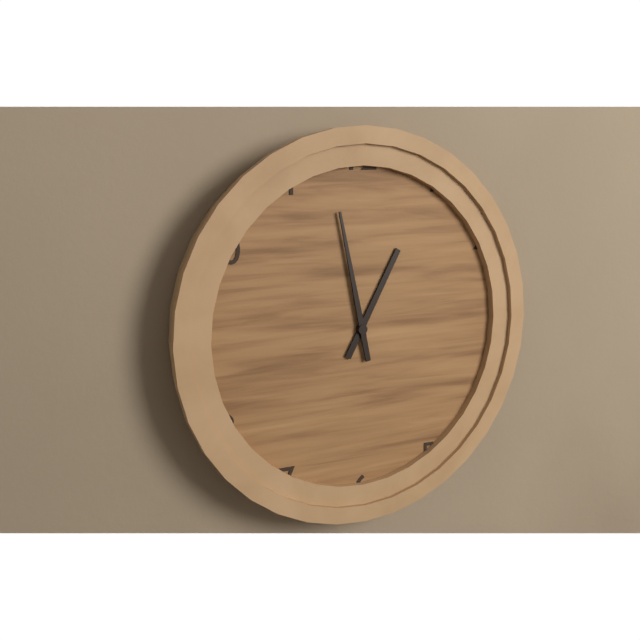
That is 12.58
